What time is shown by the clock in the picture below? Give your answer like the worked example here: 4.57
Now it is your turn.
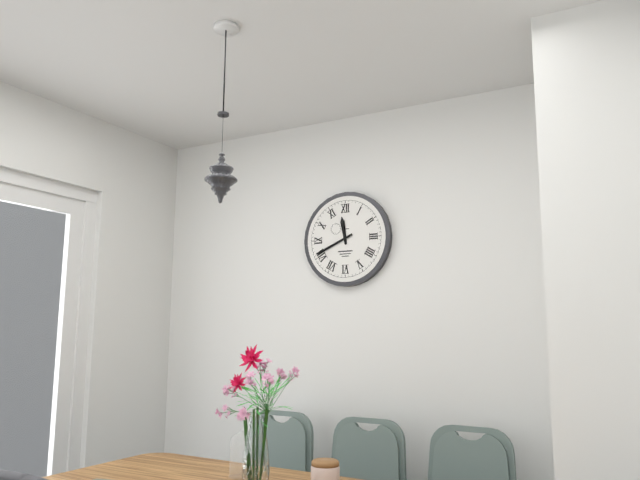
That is 11.41
